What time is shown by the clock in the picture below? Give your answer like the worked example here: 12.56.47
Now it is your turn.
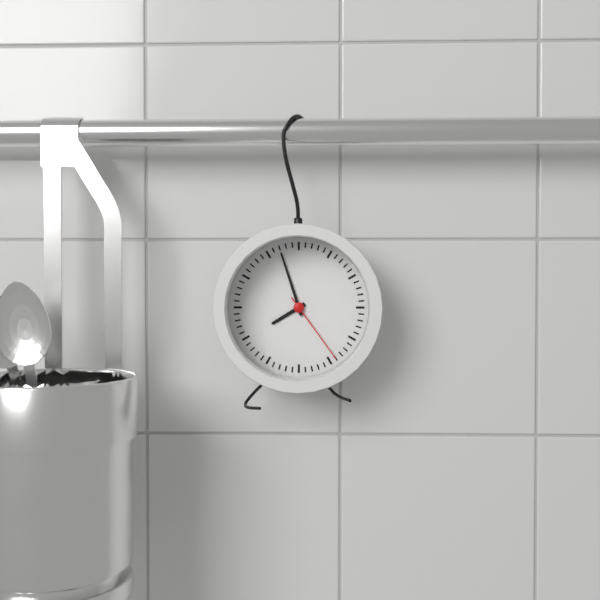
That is 7.57.24
